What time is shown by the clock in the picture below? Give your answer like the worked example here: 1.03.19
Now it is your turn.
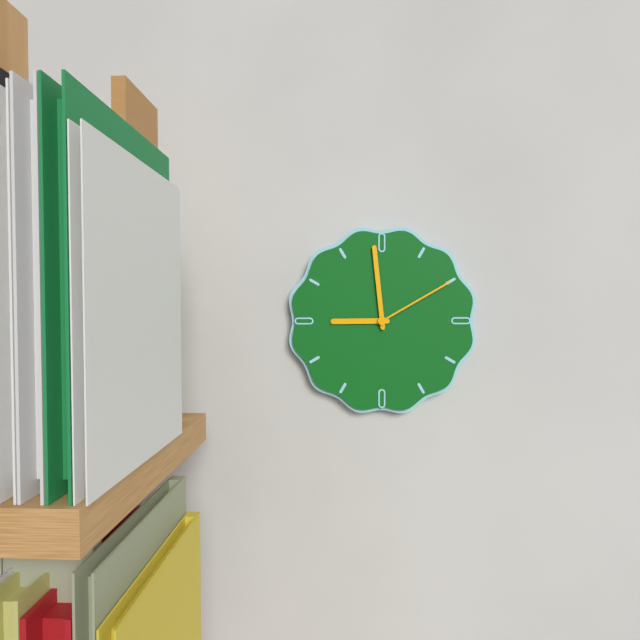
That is 8.59.10
